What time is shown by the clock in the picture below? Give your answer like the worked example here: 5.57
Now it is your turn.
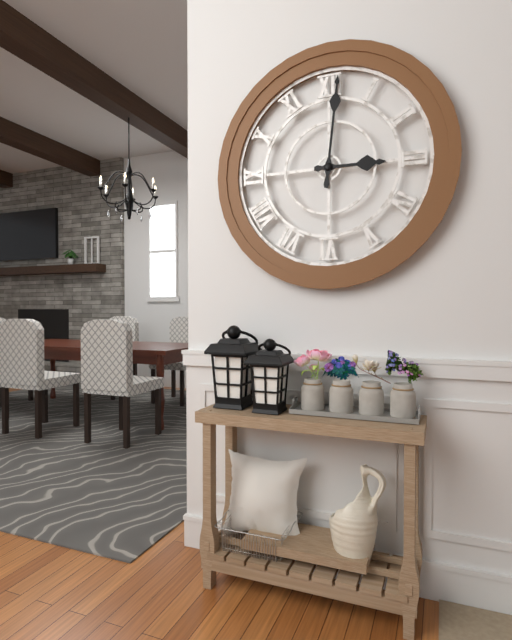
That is 3.01
